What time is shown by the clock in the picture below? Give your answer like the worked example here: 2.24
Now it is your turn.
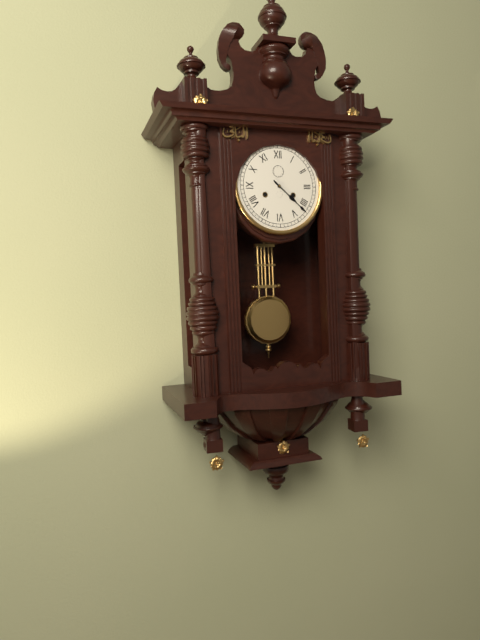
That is 4.22
